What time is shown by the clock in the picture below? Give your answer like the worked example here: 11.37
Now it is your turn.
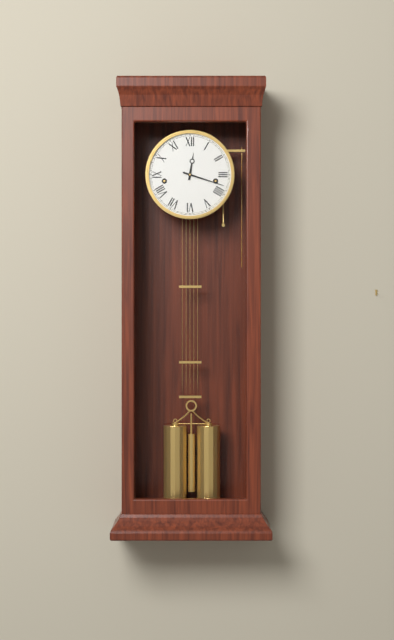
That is 12.18
